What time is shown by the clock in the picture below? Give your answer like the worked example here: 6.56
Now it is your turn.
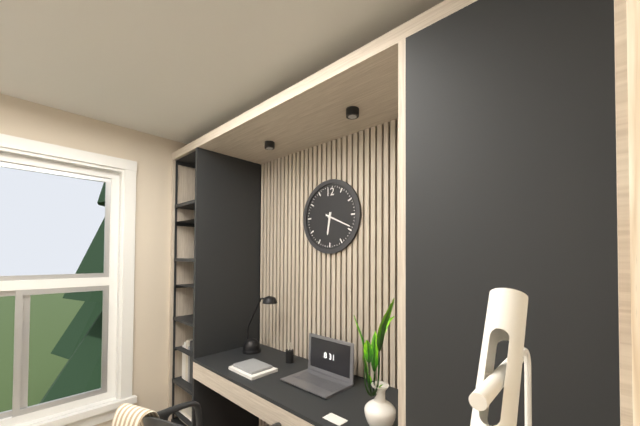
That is 6.19
